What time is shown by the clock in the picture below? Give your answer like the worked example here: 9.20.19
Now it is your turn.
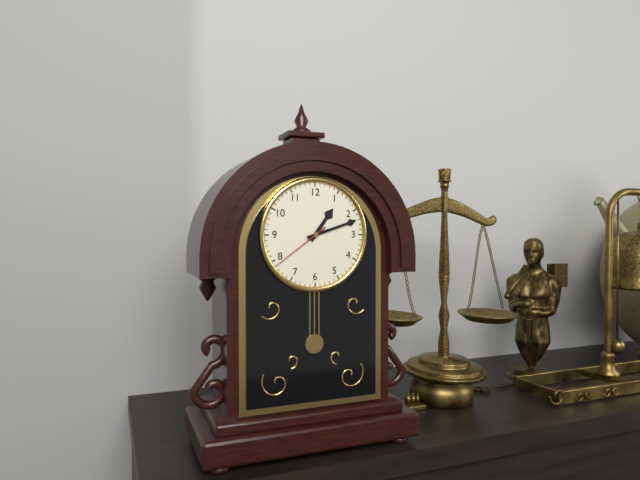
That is 1.12.39
